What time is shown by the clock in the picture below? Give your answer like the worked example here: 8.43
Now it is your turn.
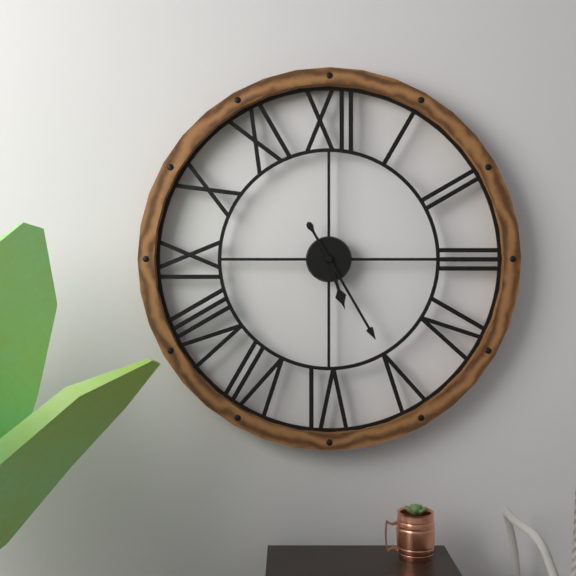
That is 5.25
